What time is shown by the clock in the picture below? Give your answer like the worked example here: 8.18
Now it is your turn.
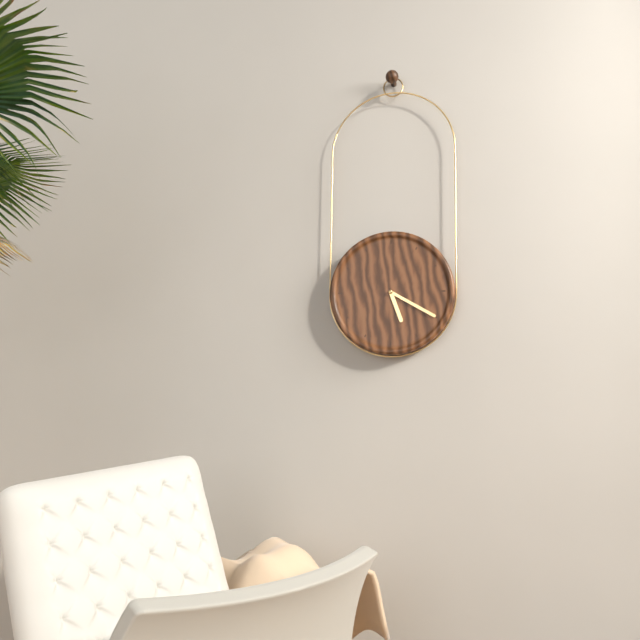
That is 5.20
